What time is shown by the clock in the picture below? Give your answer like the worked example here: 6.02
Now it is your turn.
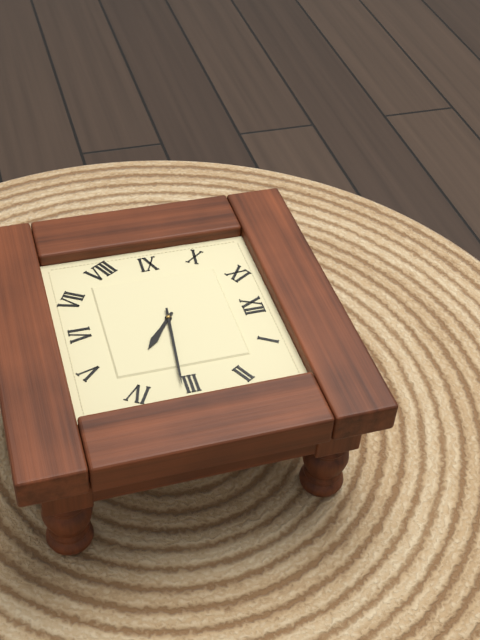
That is 4.16
